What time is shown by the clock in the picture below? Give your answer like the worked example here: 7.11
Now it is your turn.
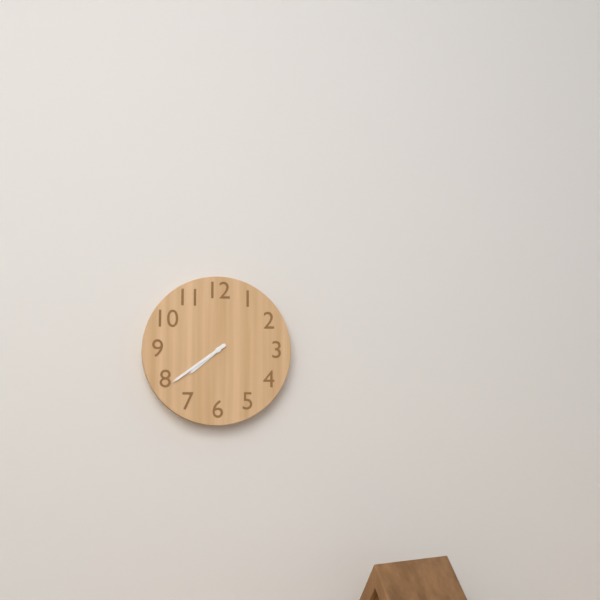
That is 7.39
